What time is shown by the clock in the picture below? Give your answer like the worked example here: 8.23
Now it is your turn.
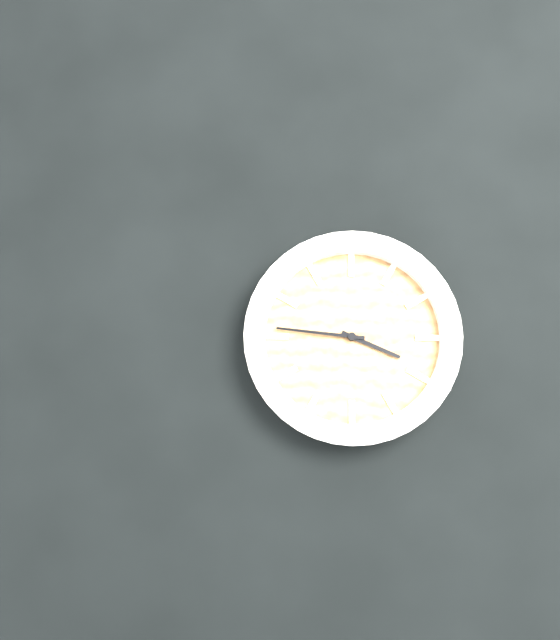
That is 3.46
